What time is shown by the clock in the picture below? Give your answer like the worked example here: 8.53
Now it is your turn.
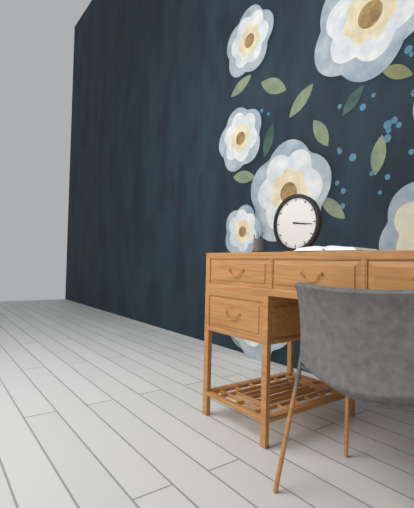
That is 3.16
